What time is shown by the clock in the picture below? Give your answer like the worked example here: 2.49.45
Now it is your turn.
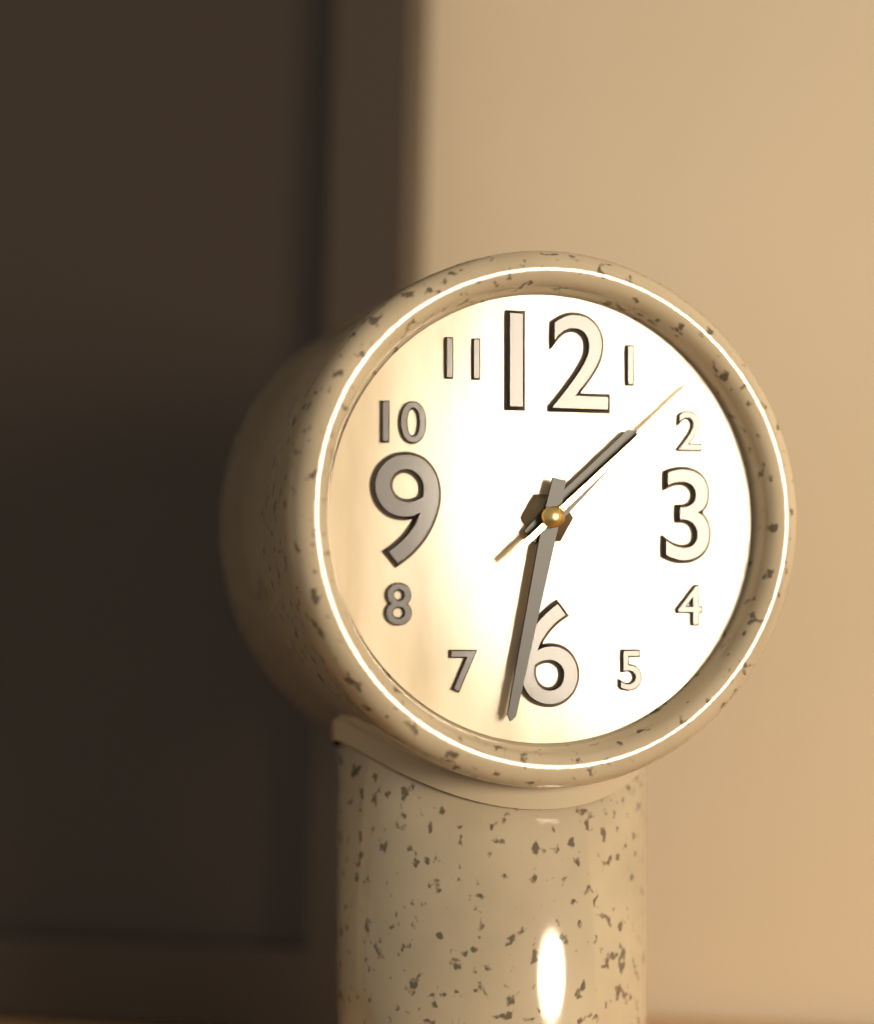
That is 1.32.08
